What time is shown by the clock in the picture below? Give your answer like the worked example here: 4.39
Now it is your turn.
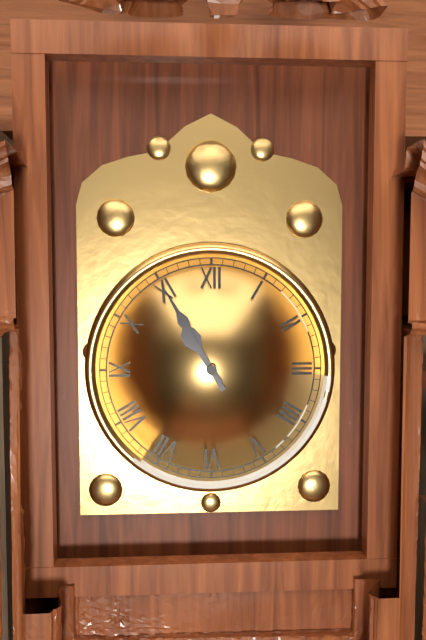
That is 10.55
